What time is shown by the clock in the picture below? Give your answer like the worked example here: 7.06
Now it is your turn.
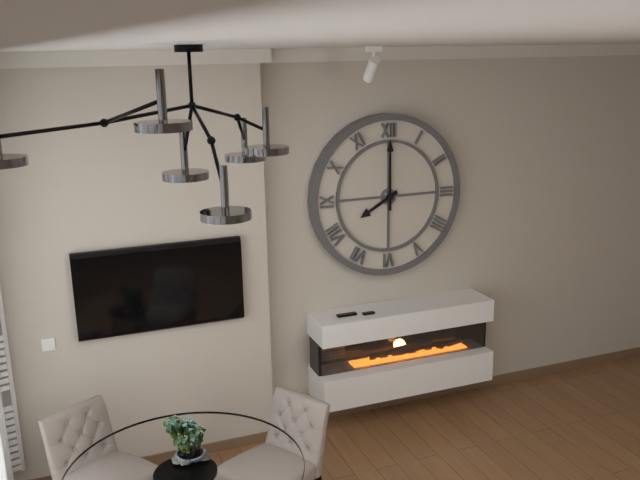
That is 8.00
